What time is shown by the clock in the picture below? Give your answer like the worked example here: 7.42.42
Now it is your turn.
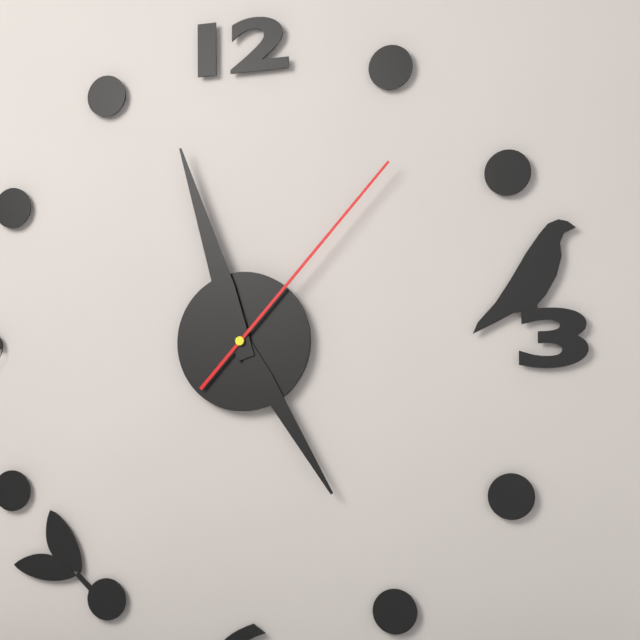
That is 4.57.07
